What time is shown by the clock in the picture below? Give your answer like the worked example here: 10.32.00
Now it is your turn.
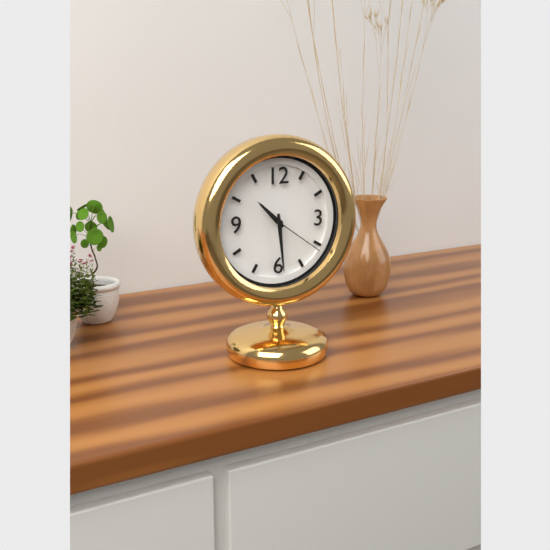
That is 10.29.21
